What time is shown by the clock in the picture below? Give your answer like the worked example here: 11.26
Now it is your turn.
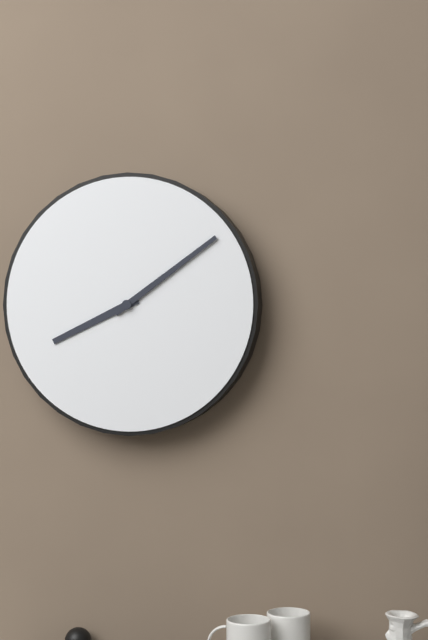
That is 8.09
